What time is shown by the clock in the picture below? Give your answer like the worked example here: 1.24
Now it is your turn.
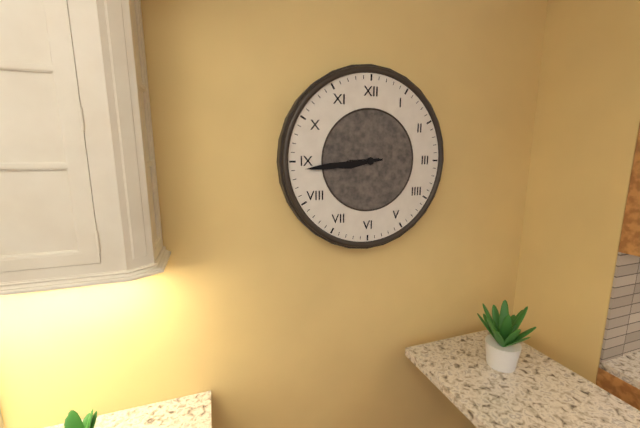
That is 8.44
